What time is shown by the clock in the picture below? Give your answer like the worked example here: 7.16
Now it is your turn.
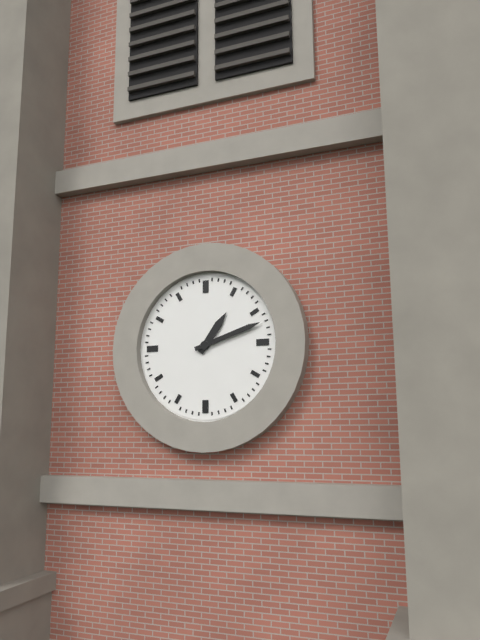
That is 1.12
